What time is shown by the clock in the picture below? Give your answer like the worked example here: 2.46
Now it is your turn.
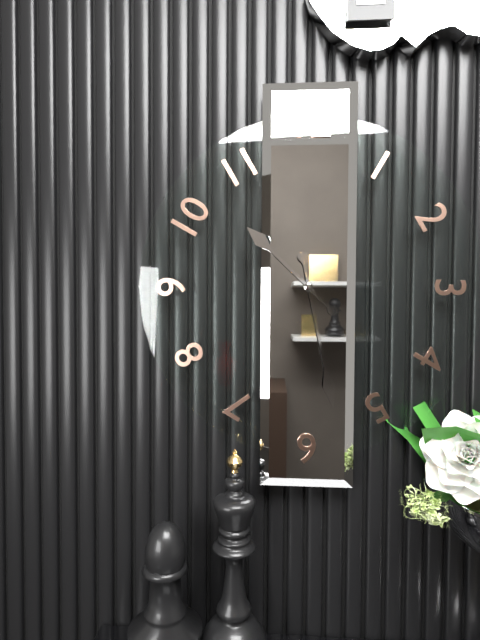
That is 10.28
